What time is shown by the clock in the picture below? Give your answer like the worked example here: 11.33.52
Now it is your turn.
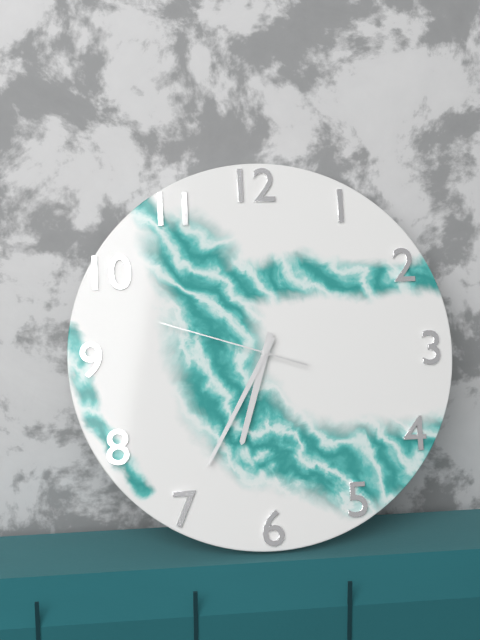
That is 6.35.48
